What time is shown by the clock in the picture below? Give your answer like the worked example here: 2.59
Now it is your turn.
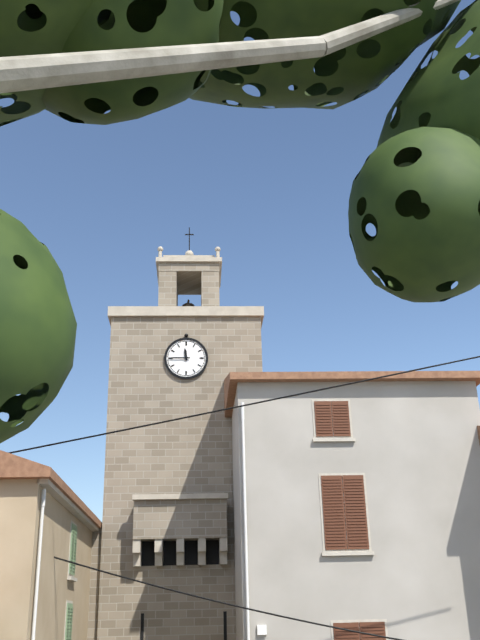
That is 11.45
